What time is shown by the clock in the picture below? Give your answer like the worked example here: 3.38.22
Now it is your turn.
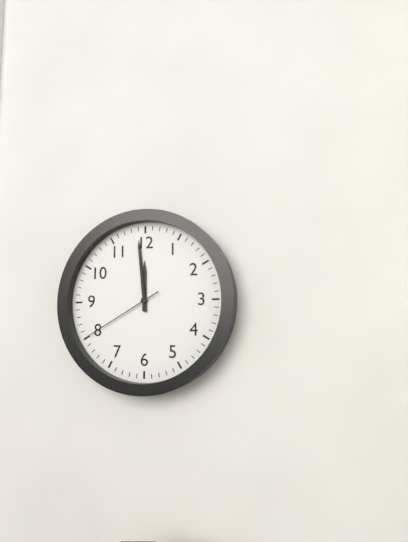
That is 11.59.40
